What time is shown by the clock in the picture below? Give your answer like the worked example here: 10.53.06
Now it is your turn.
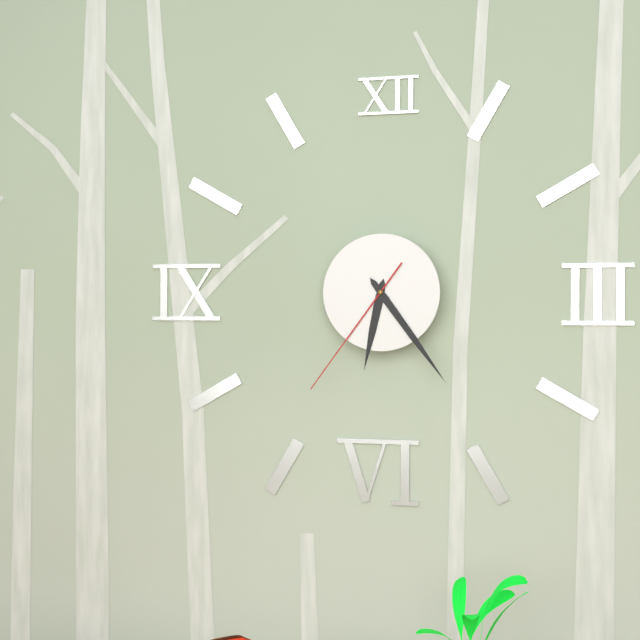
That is 6.24.36
